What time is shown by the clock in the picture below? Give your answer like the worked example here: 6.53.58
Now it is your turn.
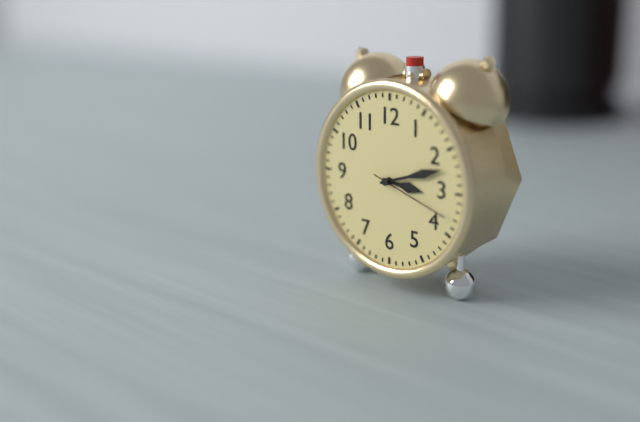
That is 3.12.18
